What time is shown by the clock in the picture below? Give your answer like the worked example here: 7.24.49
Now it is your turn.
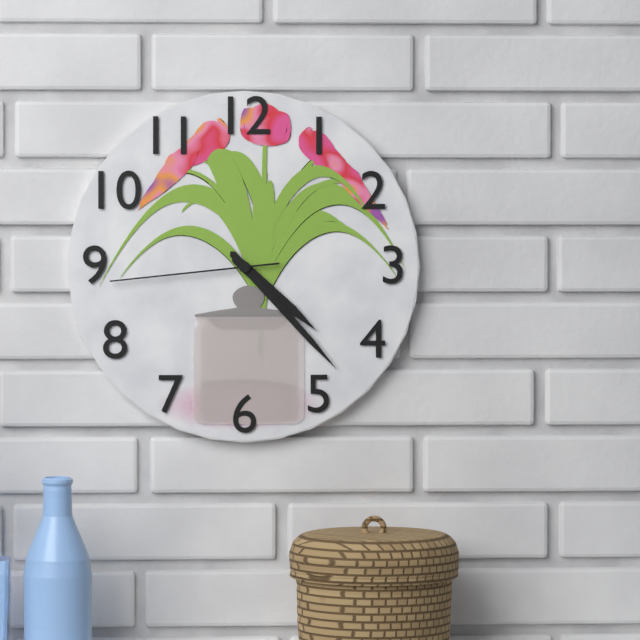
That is 4.23.44
